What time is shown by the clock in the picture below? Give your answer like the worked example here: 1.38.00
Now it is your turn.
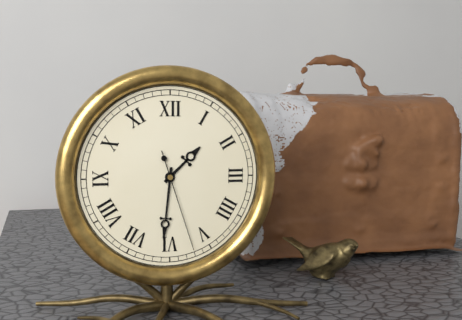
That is 1.31.27
